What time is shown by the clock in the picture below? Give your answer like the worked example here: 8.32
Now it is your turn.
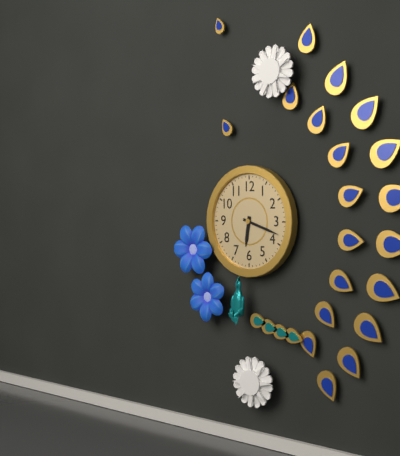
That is 6.18
